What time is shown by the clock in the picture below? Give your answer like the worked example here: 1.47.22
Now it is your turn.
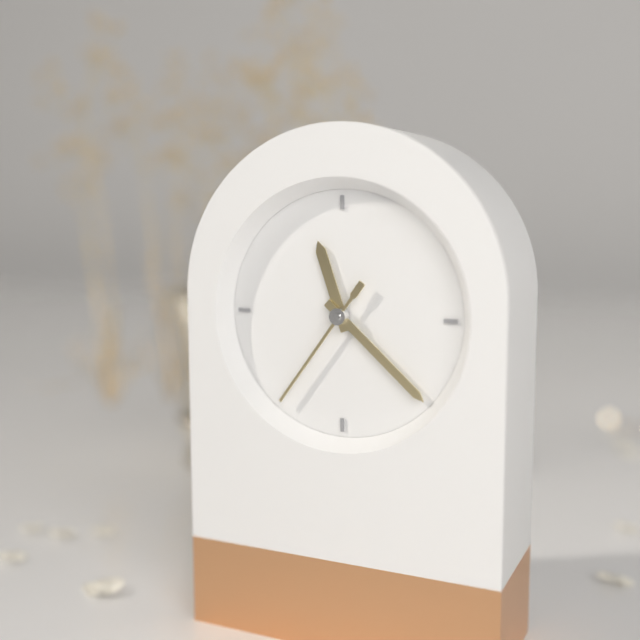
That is 11.22.36
